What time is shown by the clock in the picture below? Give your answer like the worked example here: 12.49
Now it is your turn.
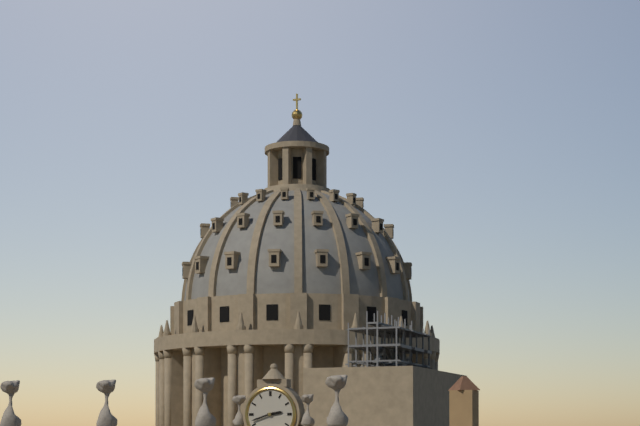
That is 2.42
